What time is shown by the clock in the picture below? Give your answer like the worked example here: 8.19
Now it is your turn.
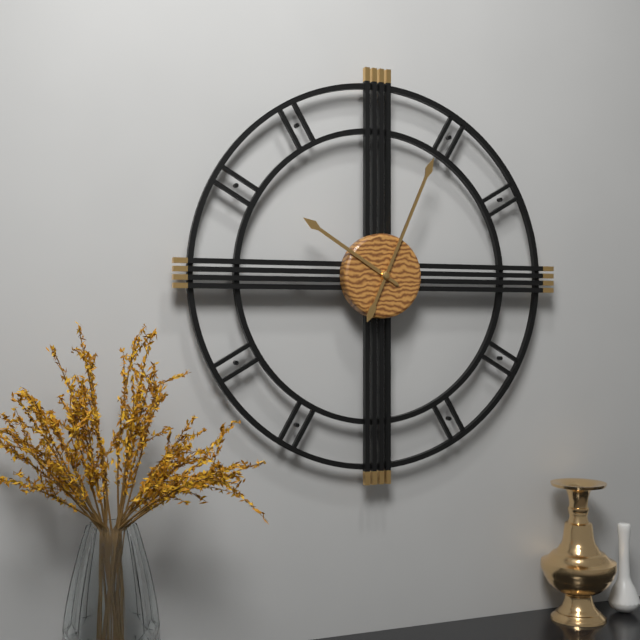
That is 10.04
